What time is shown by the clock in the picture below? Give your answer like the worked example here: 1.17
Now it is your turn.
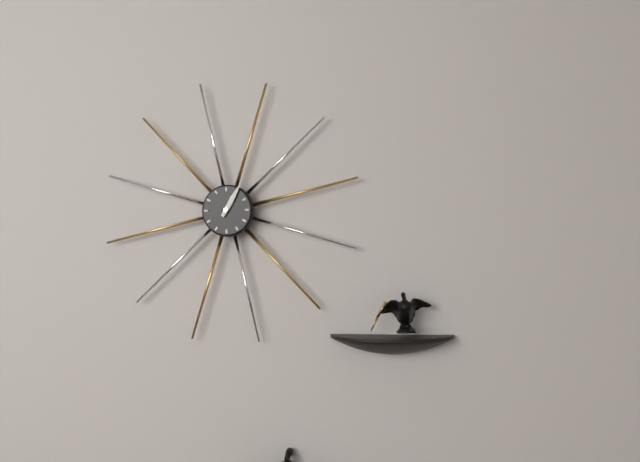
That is 1.05
